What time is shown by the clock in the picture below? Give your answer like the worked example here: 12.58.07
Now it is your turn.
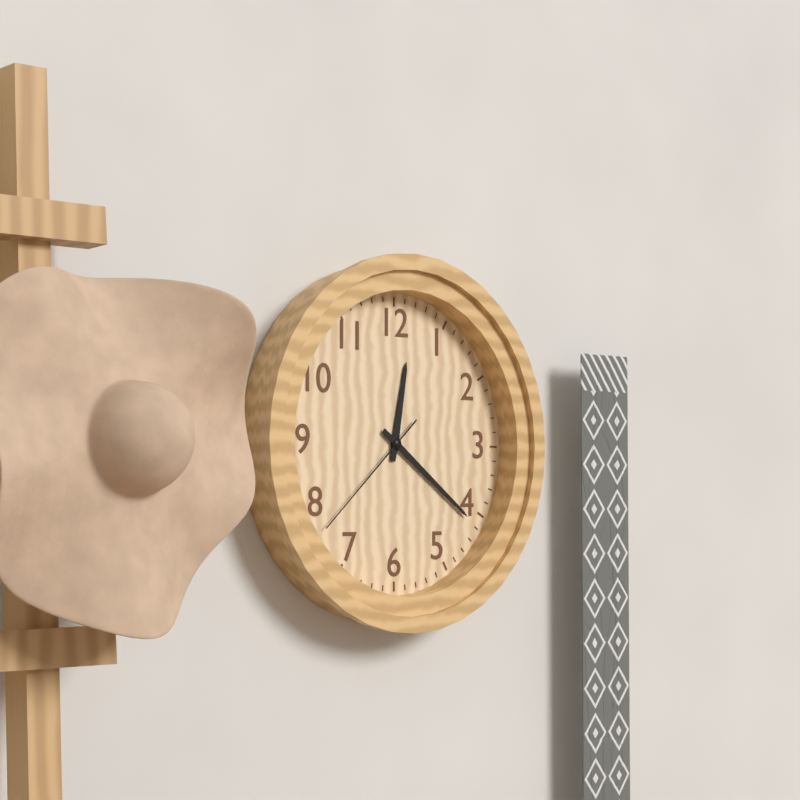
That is 12.21.38
